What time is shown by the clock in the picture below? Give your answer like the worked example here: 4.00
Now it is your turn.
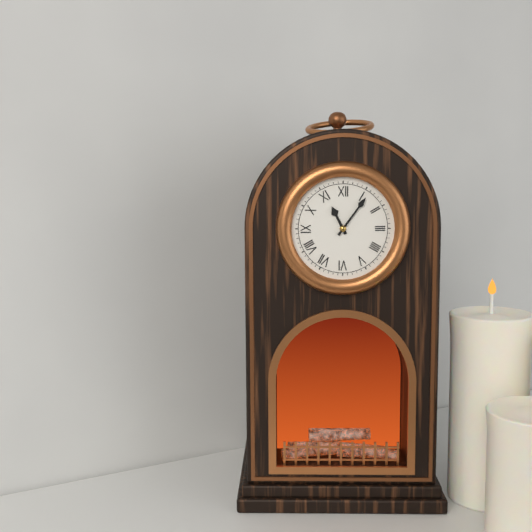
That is 11.06
